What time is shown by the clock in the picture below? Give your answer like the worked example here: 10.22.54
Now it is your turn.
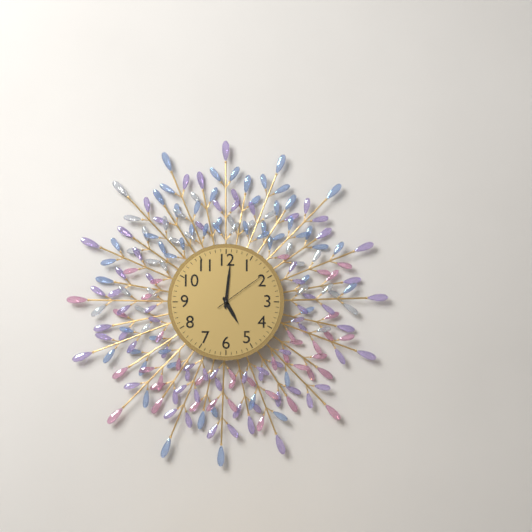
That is 5.01.09
